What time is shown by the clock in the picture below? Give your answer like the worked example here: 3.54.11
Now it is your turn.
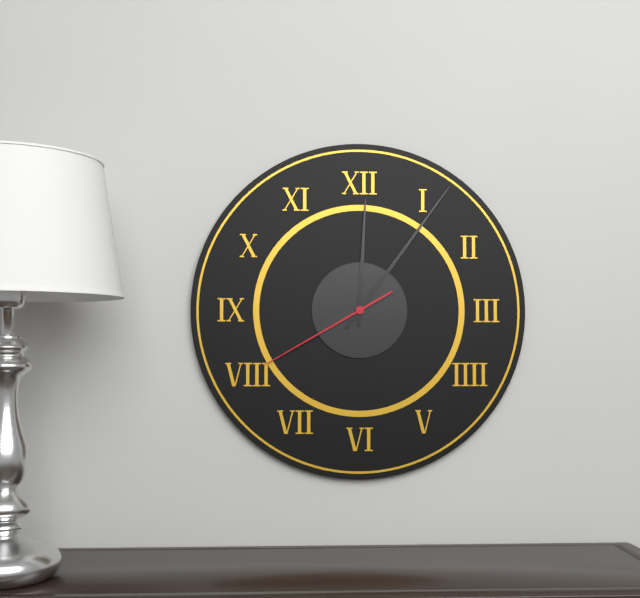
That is 12.06.40
